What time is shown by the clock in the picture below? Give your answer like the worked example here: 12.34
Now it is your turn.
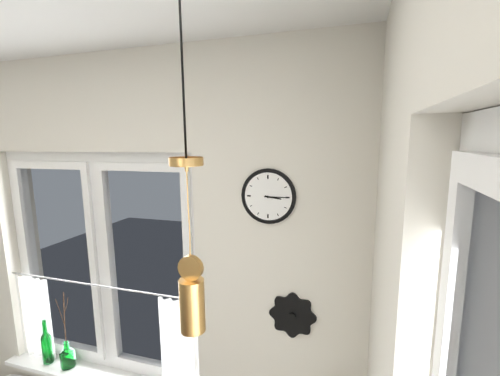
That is 3.15
